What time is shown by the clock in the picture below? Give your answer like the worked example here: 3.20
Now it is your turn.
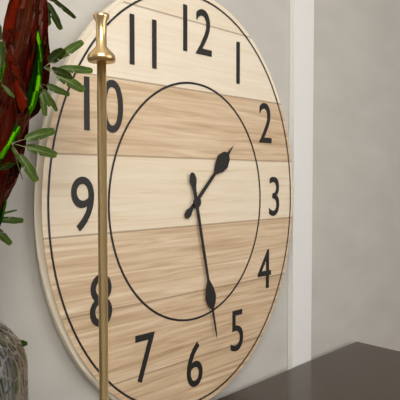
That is 1.28
